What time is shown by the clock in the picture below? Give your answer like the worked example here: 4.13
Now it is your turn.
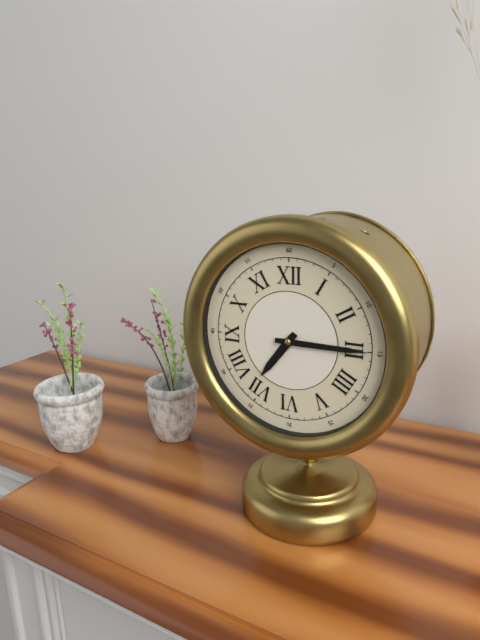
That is 7.15
